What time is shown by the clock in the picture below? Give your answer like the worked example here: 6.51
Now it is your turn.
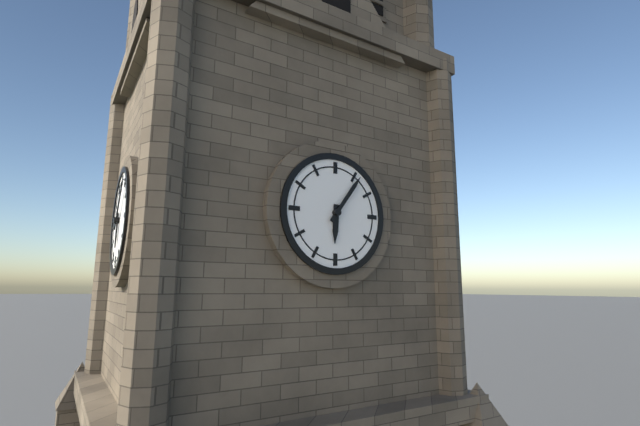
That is 6.06
